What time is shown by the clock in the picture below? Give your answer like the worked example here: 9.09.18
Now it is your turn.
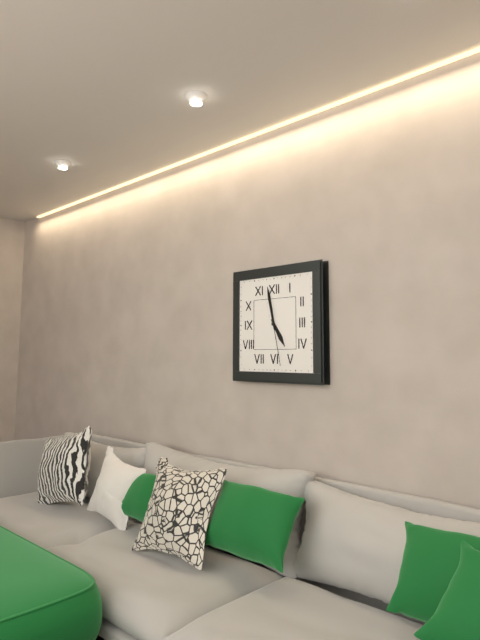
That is 4.58.28
